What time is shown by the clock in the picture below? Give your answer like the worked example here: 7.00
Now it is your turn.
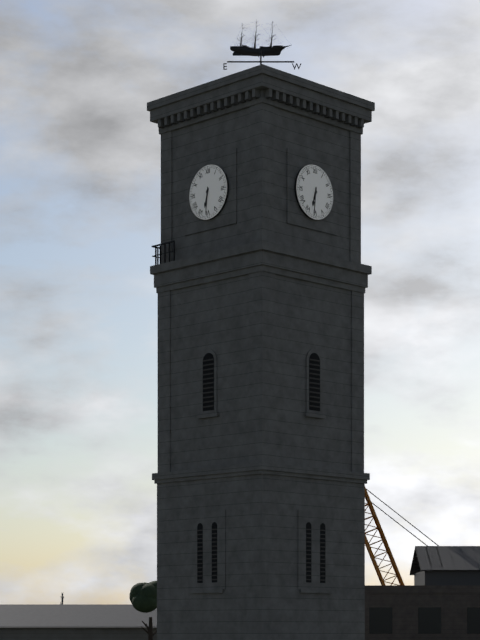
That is 6.31
